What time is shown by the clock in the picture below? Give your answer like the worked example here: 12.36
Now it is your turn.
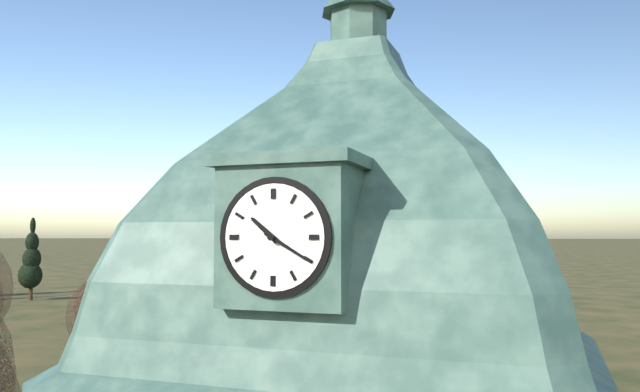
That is 10.20
